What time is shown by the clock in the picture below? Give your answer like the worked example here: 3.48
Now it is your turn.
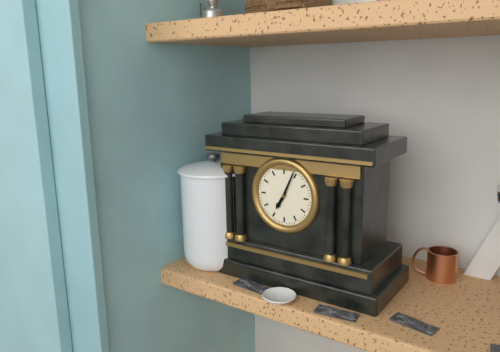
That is 7.04
